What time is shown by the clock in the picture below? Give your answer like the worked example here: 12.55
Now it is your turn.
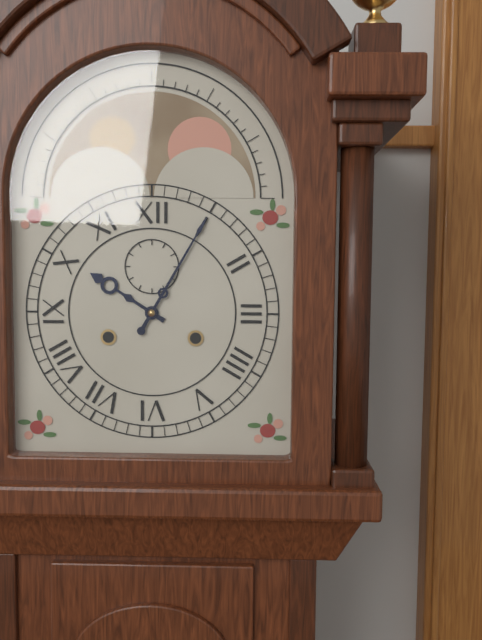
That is 10.05
